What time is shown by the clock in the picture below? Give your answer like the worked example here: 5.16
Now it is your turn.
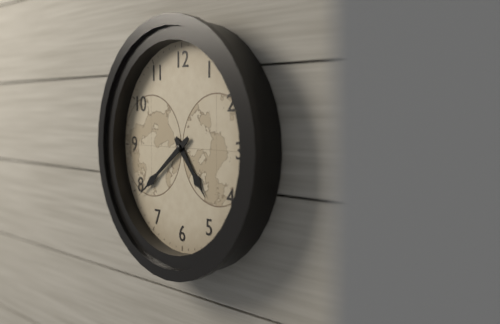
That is 4.39
